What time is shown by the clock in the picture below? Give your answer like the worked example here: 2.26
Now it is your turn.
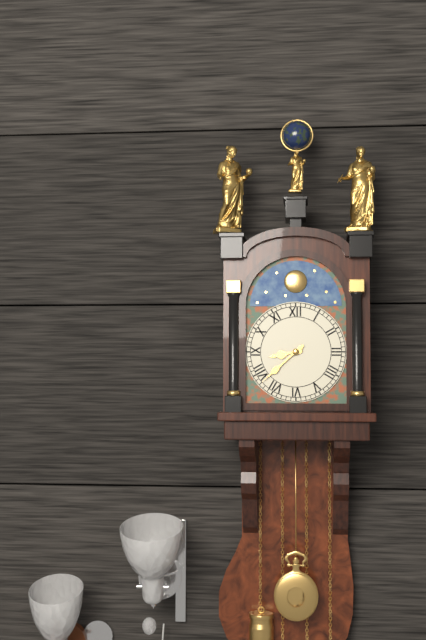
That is 8.38
